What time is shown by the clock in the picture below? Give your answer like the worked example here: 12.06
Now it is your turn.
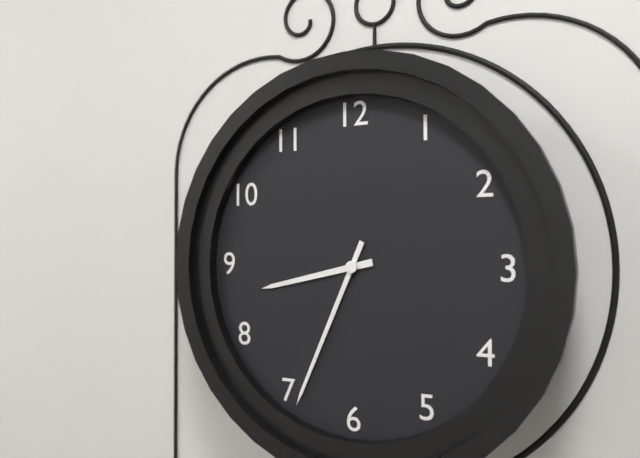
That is 8.34
